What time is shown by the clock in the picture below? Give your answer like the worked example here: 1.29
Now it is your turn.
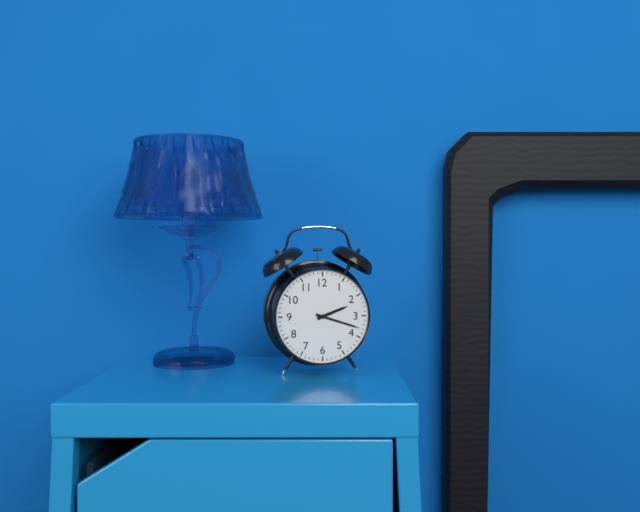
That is 2.18
